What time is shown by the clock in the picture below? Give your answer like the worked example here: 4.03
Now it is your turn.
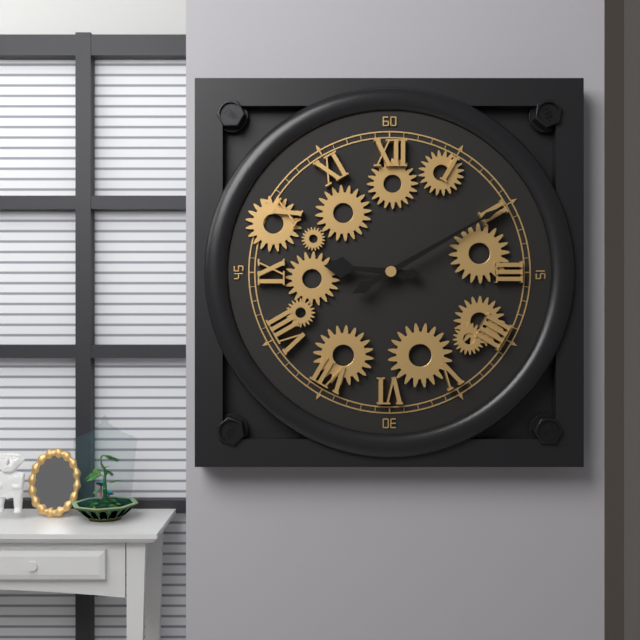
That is 9.10
